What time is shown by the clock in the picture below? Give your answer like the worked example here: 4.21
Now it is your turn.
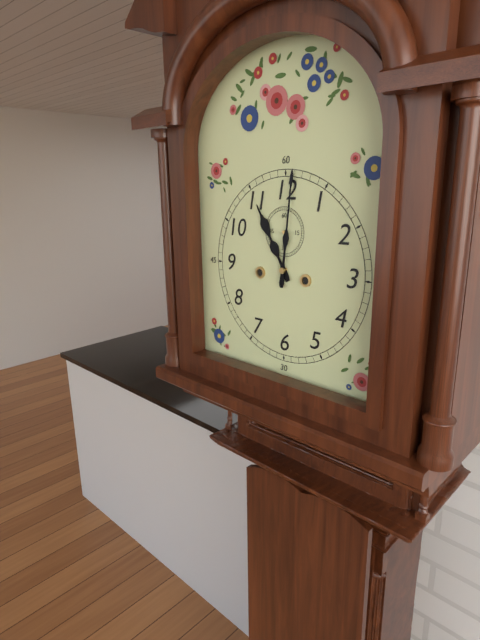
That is 11.01
